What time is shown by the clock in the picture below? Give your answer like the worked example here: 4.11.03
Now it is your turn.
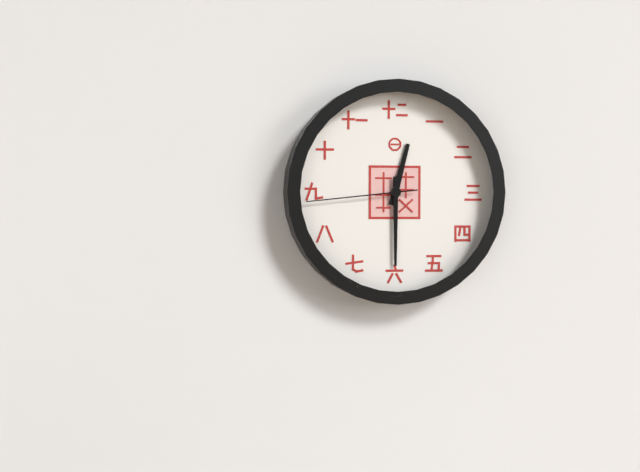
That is 12.30.44
